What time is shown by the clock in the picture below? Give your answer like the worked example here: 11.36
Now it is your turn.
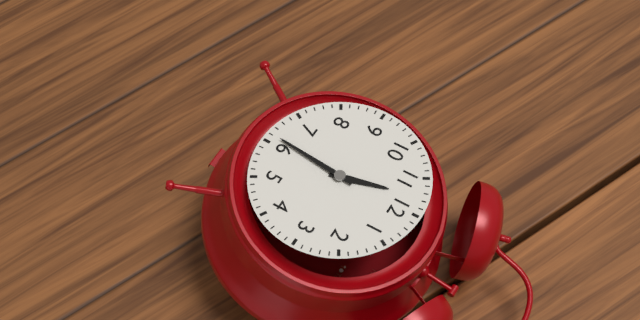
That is 11.31
